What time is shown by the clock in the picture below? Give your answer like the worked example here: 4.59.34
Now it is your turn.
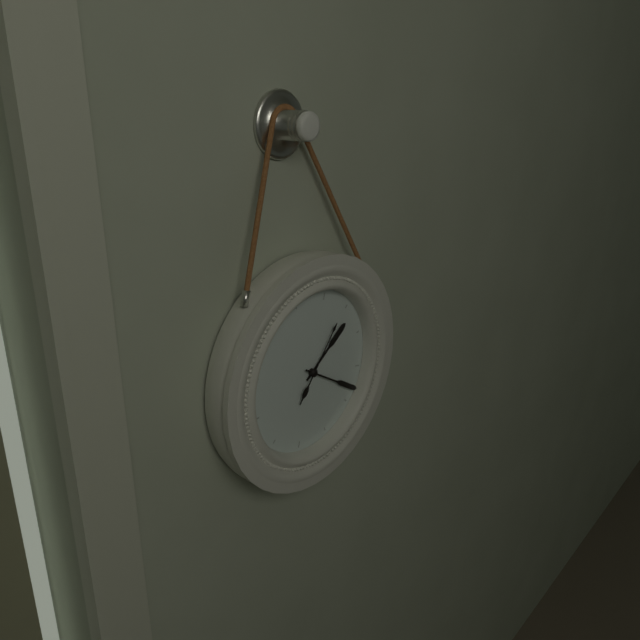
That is 1.18.04
